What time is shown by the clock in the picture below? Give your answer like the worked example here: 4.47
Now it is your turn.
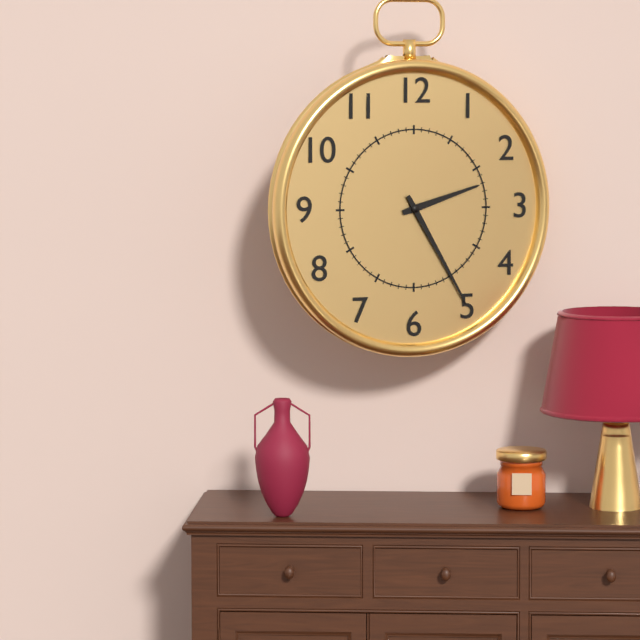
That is 2.25
